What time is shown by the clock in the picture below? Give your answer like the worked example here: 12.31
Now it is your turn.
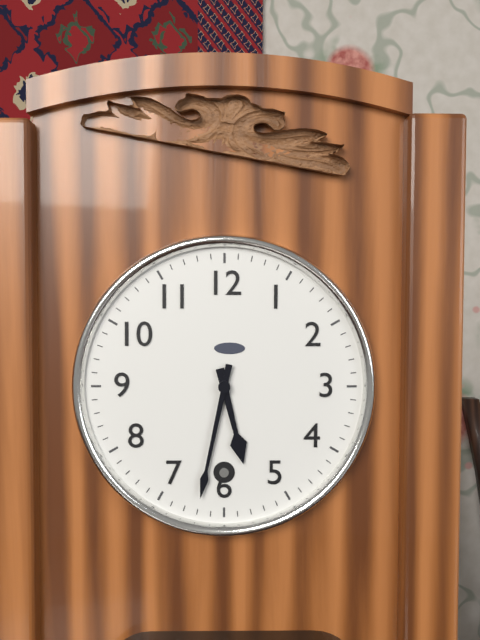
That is 5.32
